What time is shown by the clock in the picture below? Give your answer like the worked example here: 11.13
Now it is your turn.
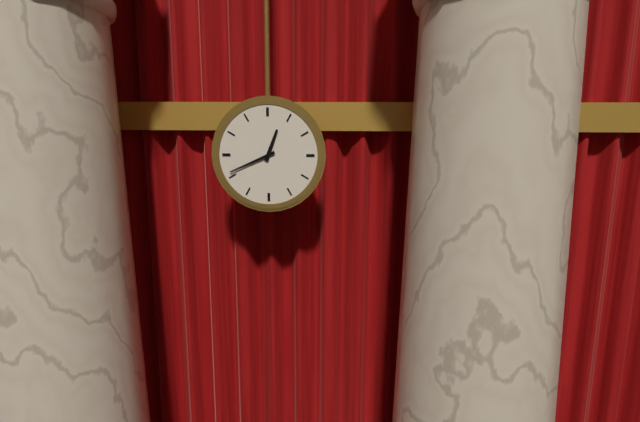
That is 12.41
